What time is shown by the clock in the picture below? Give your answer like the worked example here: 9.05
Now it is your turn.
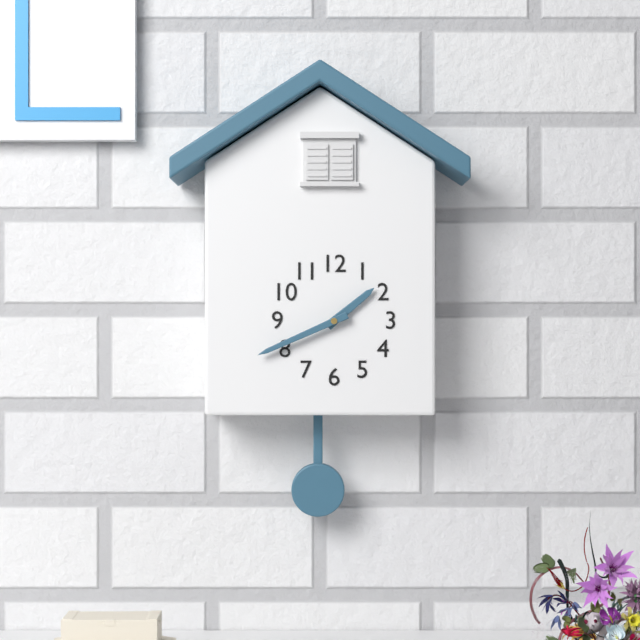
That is 1.41
